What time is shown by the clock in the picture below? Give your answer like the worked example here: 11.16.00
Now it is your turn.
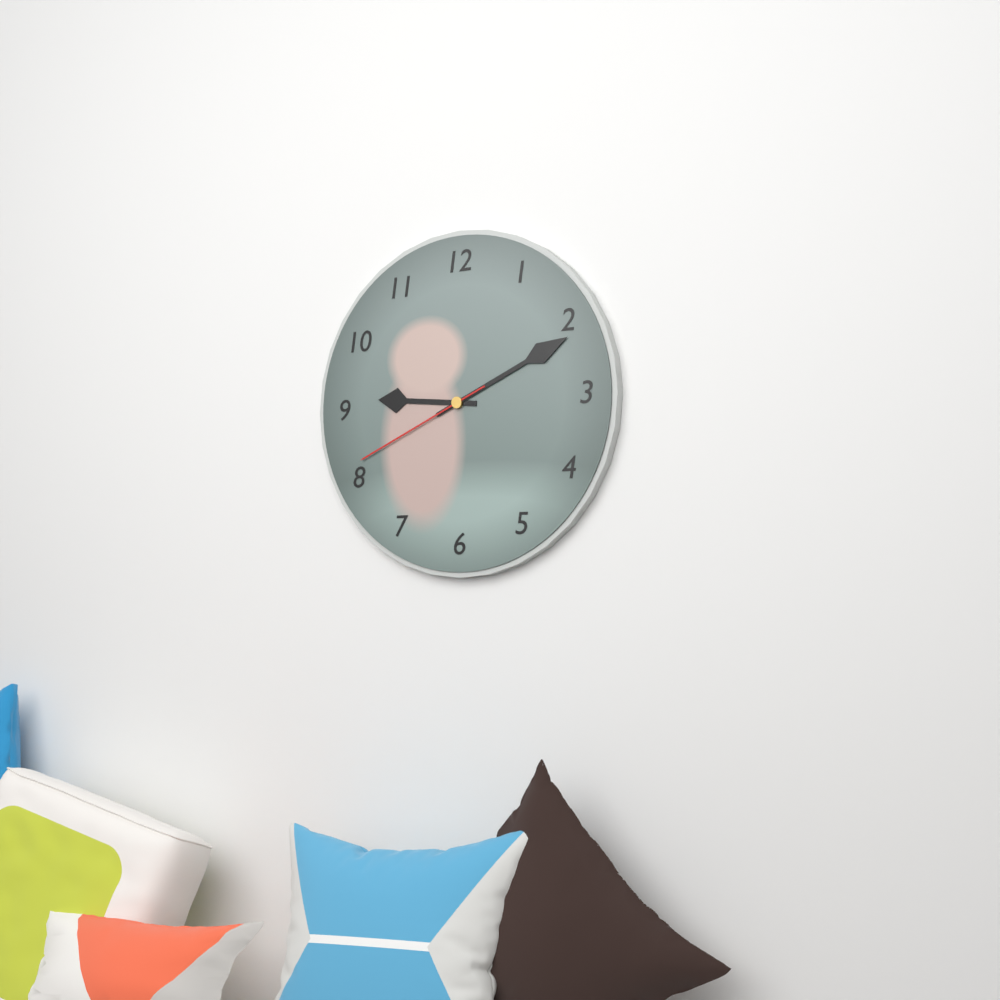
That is 9.11.41
